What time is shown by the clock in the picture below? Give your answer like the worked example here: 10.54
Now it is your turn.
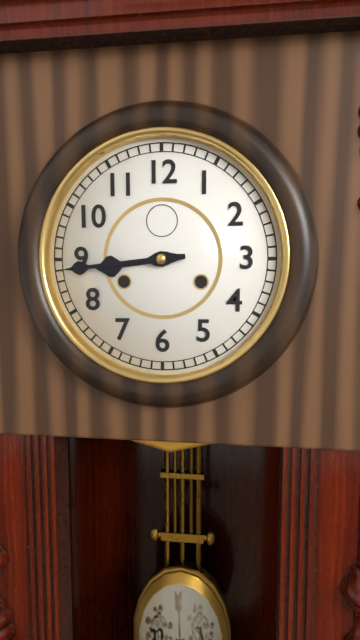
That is 8.44
